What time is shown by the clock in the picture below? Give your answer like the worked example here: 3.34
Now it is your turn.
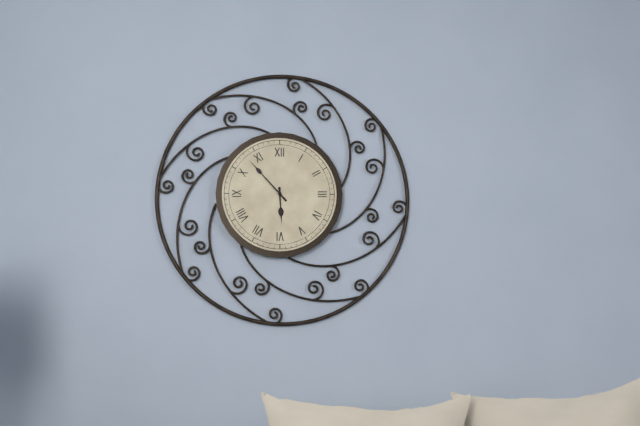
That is 5.53
